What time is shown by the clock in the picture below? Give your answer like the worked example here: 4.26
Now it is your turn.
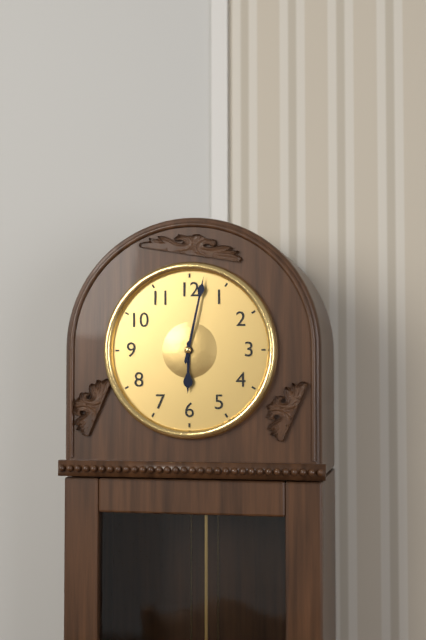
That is 6.02
